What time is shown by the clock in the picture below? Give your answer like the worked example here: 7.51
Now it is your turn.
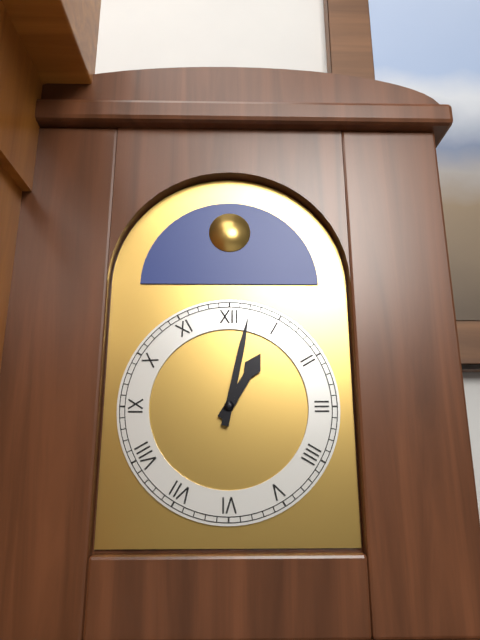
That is 1.02
